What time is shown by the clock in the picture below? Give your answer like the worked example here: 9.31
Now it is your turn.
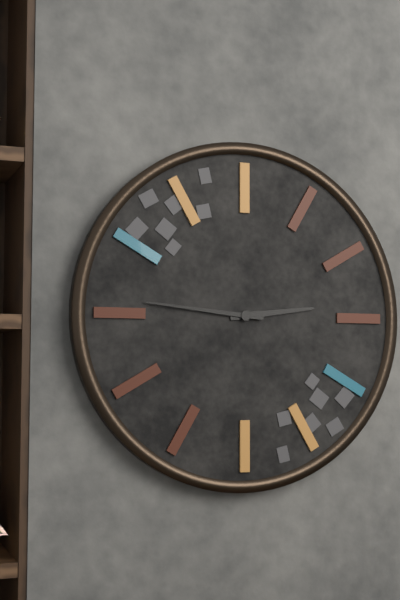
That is 2.46
